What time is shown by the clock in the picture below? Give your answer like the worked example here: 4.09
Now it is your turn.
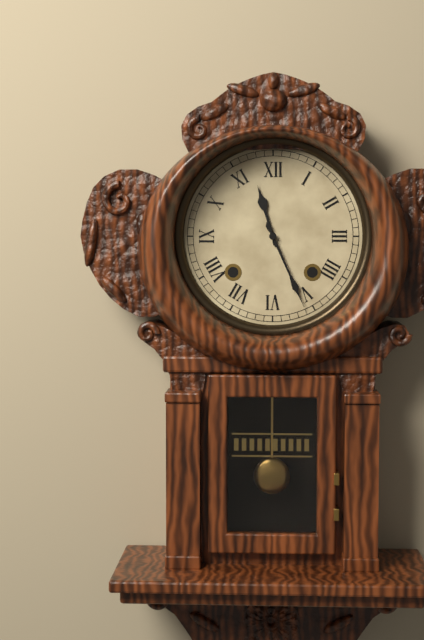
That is 11.26
